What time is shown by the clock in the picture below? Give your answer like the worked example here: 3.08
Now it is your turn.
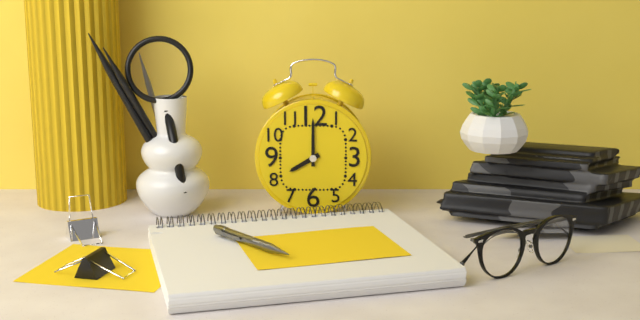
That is 8.00
